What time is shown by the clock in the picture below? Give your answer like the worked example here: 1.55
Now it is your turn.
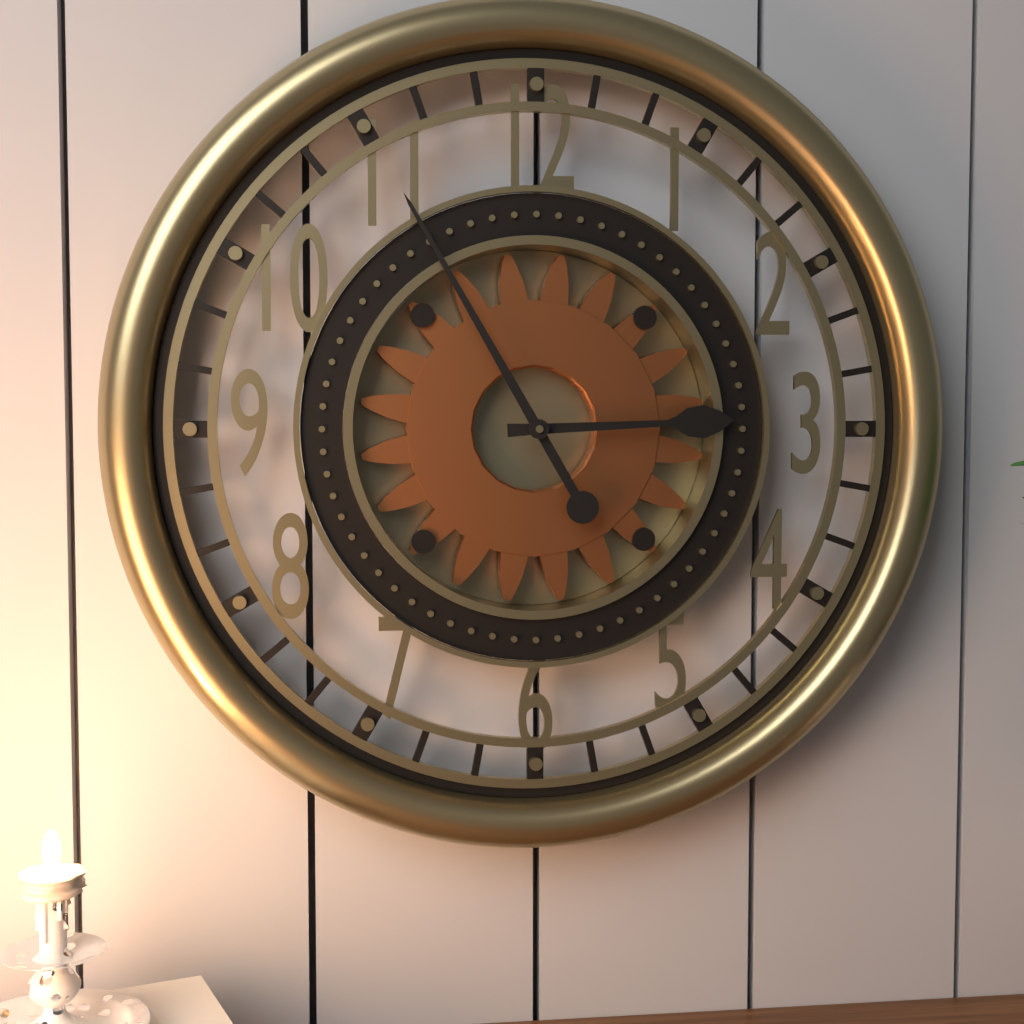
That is 2.55
